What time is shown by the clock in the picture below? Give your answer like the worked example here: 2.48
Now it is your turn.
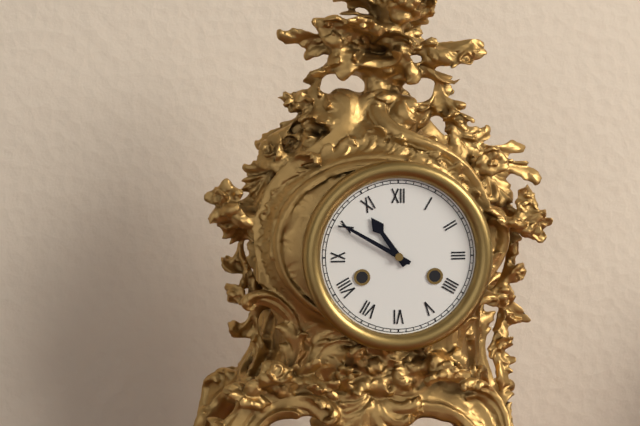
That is 10.50
